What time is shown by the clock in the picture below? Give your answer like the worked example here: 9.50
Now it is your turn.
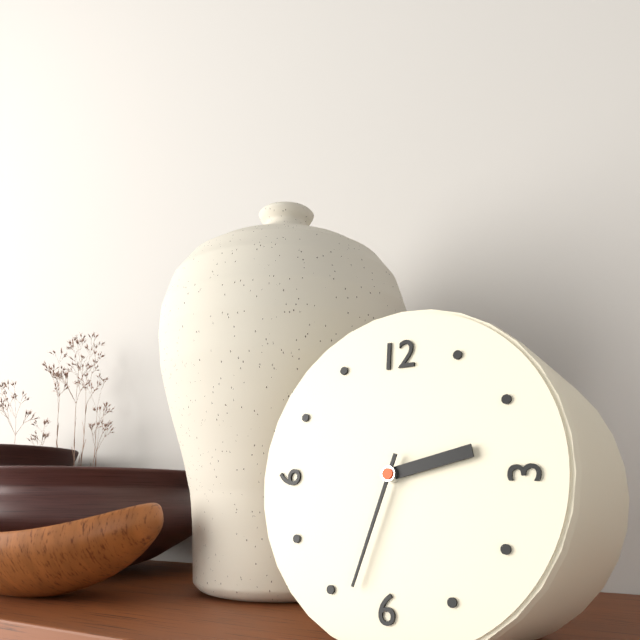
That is 2.33
